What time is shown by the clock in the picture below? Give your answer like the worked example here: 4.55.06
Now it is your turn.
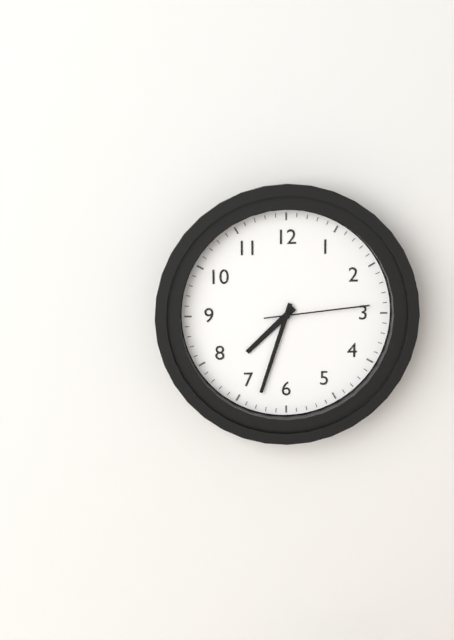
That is 7.33.14
